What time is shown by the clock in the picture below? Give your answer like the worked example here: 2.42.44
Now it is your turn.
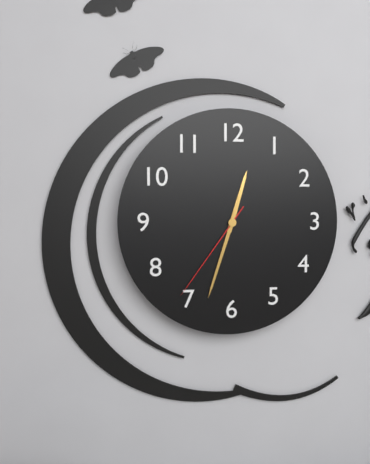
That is 12.33.36
